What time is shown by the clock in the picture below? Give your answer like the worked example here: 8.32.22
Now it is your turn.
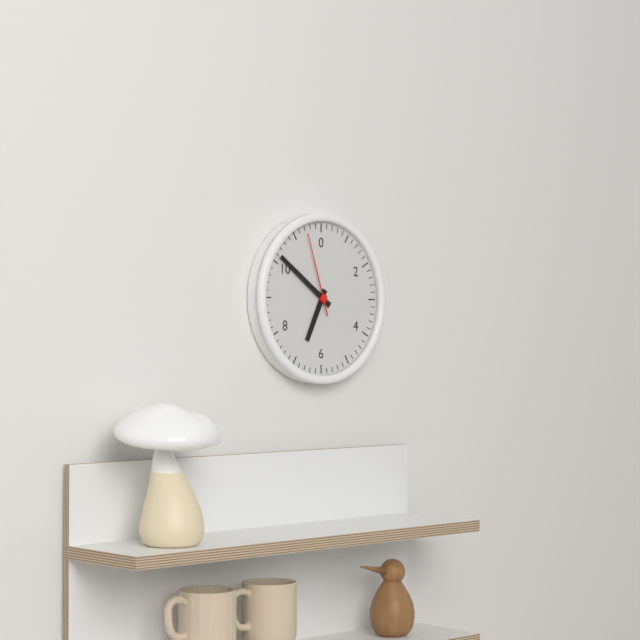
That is 6.51.57
